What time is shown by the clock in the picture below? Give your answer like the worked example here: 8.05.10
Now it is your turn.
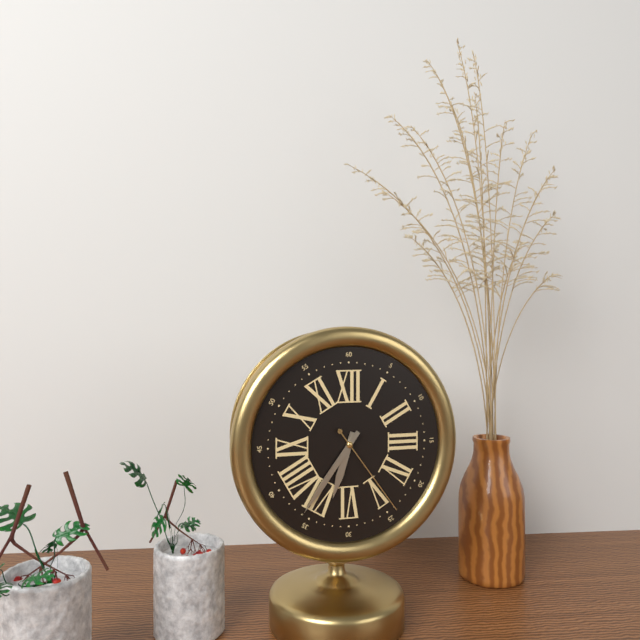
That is 6.36.24
